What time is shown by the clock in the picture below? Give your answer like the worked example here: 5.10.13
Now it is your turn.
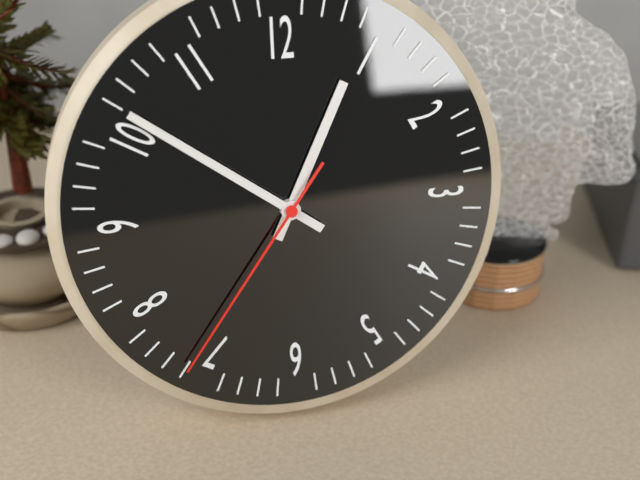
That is 12.51.36
